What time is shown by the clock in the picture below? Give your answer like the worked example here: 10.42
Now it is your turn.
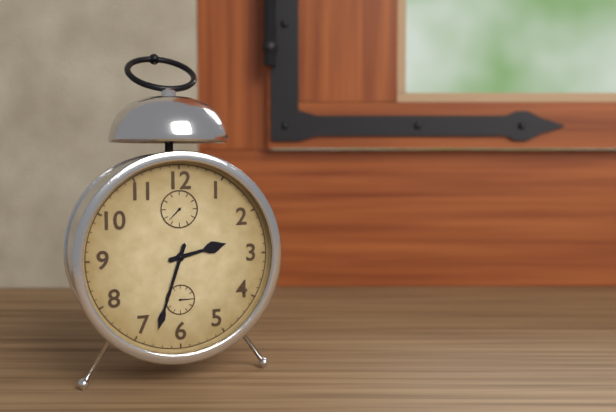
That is 2.33
